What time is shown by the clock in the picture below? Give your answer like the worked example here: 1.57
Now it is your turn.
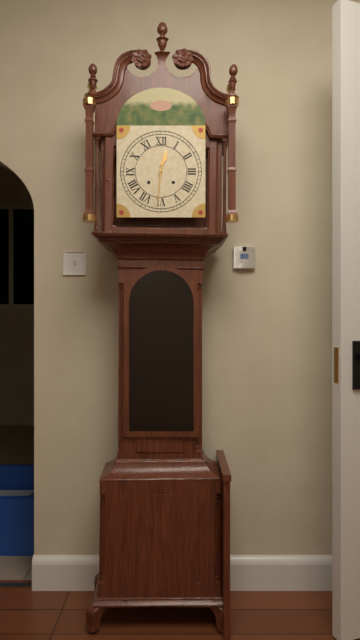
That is 12.31
